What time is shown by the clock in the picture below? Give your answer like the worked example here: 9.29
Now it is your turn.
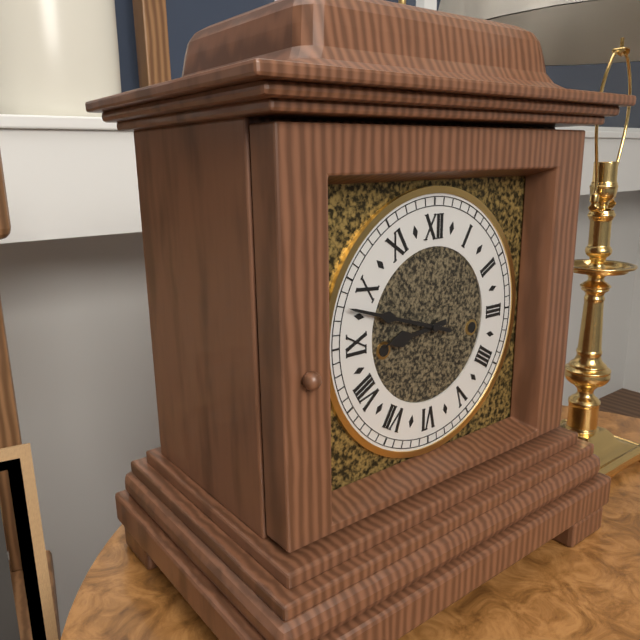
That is 8.48
